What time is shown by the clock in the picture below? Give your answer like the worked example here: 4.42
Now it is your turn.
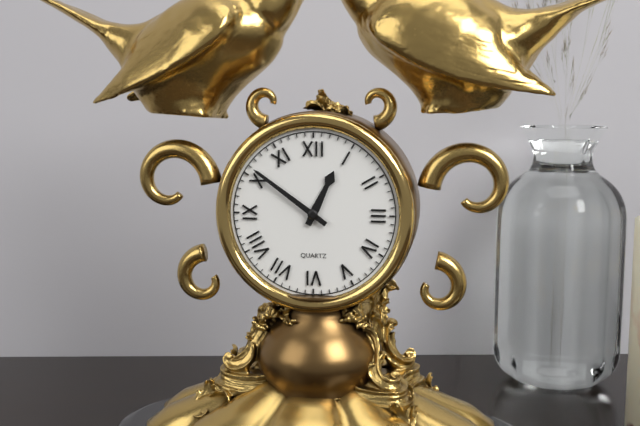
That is 12.51
